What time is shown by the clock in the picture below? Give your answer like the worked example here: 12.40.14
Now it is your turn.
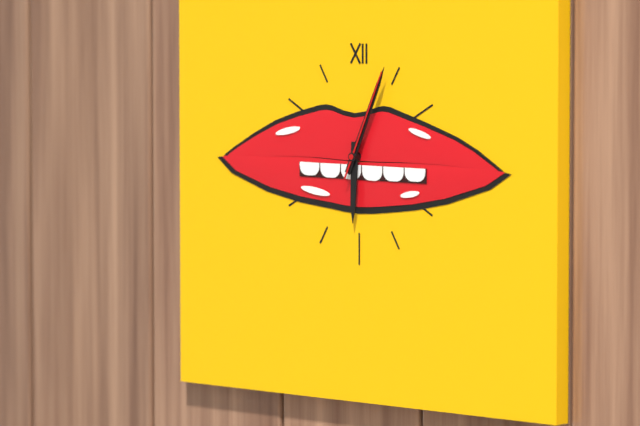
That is 6.04.04
